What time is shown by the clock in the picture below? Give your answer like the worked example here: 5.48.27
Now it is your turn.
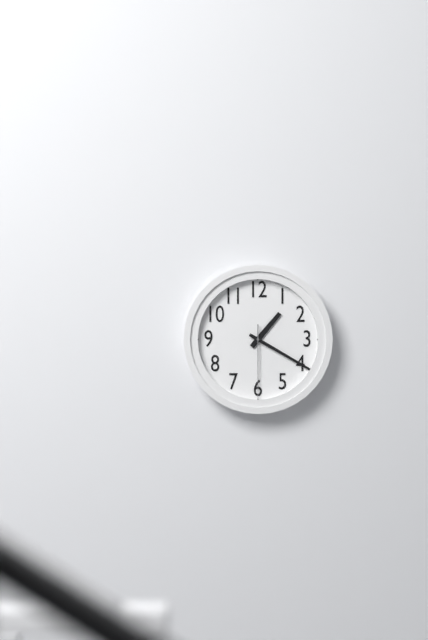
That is 1.20.30
